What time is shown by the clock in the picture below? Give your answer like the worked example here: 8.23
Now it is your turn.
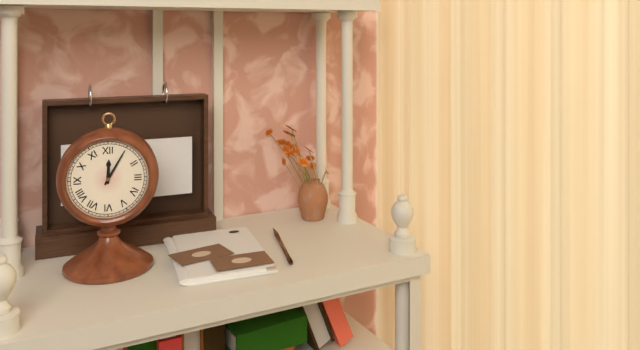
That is 12.05
